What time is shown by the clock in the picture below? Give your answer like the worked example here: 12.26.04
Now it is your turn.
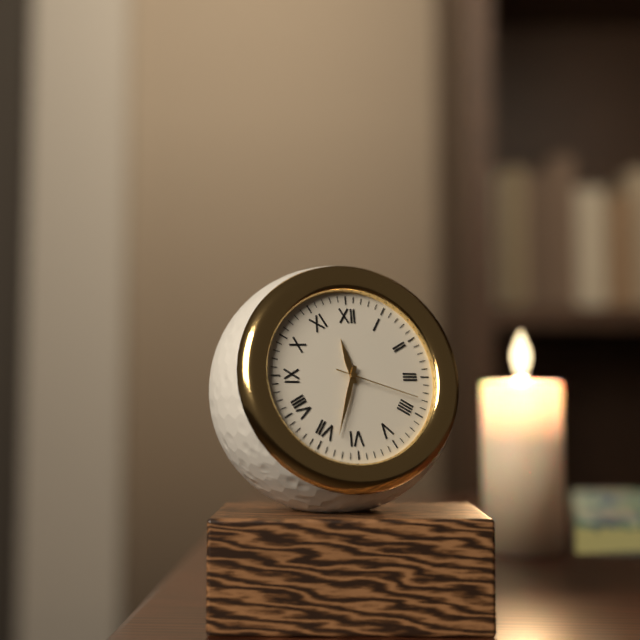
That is 11.33.18
